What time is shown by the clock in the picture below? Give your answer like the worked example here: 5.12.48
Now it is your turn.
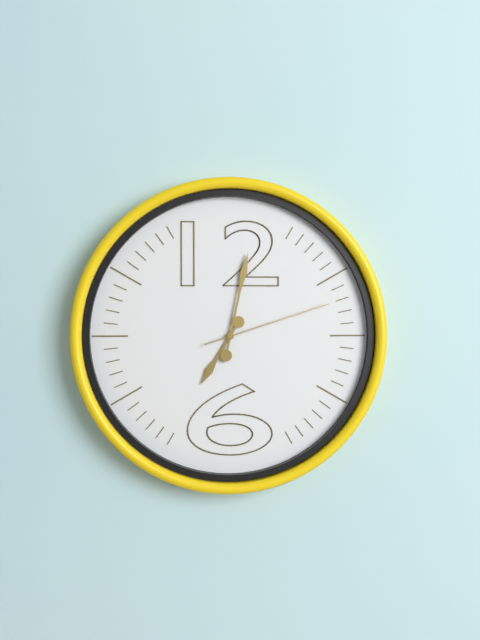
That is 7.02.12
